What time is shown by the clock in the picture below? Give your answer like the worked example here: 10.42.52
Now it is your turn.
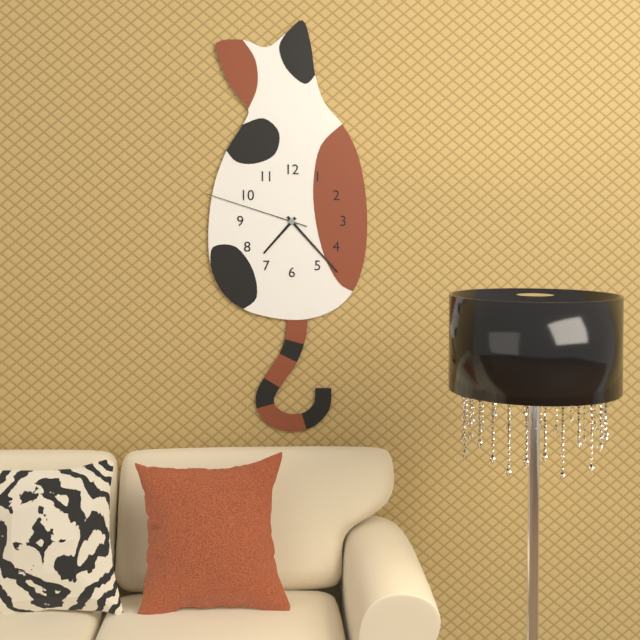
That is 7.23.48
